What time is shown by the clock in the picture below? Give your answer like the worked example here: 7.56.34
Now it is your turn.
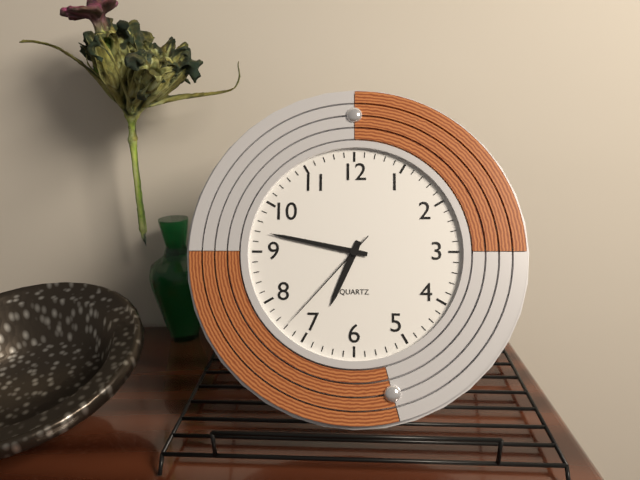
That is 6.47.37
